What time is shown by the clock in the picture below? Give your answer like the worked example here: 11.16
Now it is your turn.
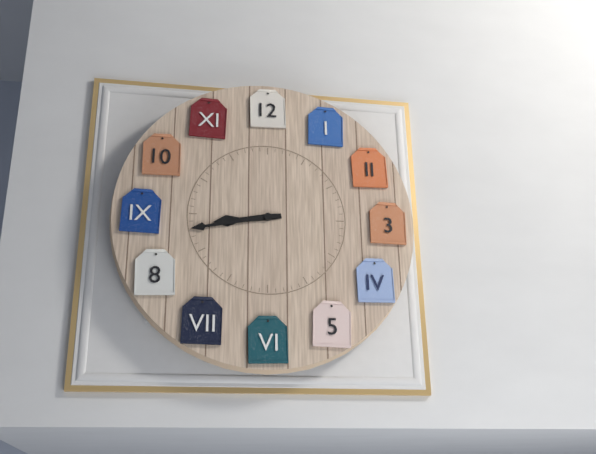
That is 8.43
